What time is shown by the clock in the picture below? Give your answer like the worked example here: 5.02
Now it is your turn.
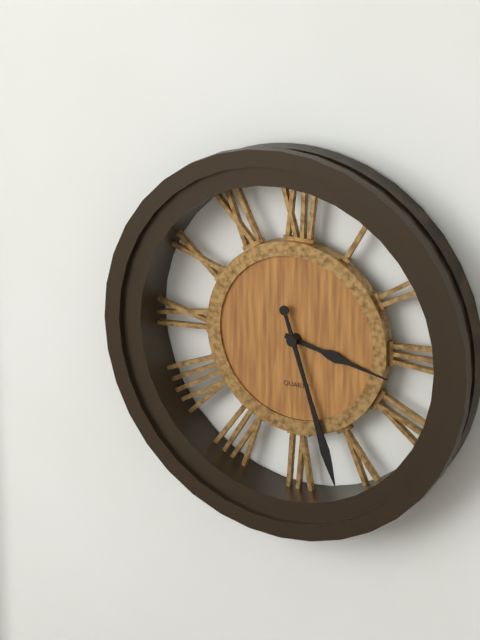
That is 3.27
